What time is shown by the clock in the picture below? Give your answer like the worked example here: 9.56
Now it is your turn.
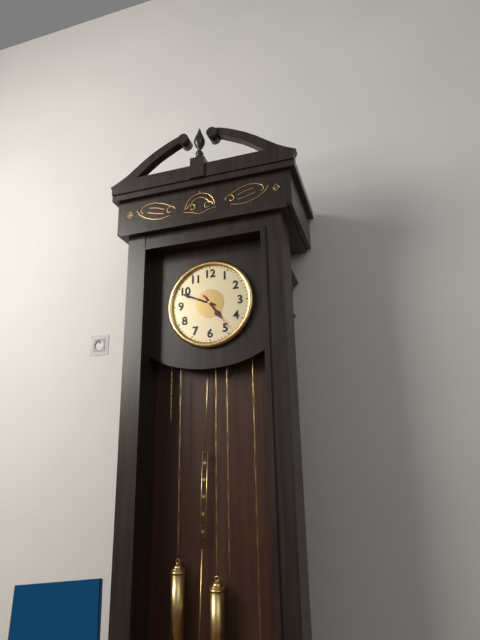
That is 4.49
